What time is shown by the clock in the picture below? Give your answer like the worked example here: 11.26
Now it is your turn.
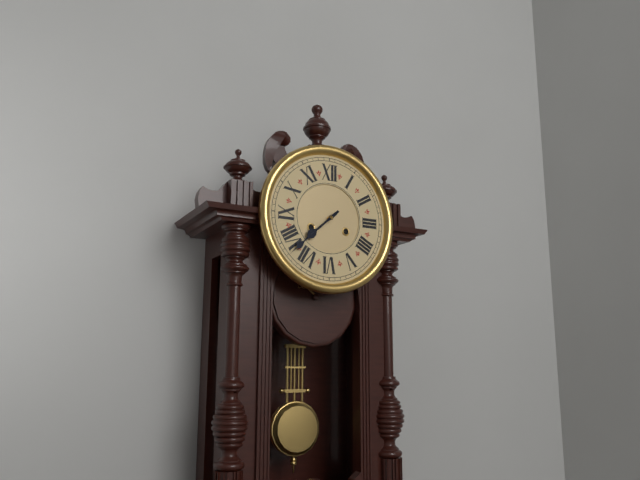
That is 7.38
